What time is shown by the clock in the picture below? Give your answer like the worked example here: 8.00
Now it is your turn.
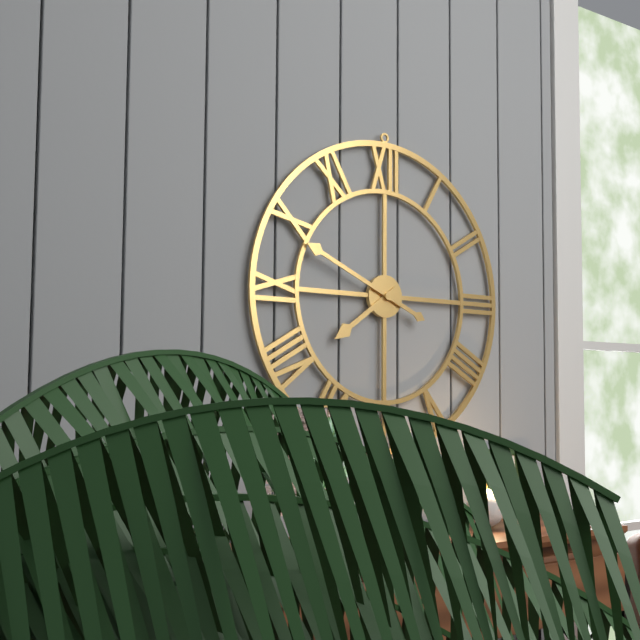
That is 7.49
